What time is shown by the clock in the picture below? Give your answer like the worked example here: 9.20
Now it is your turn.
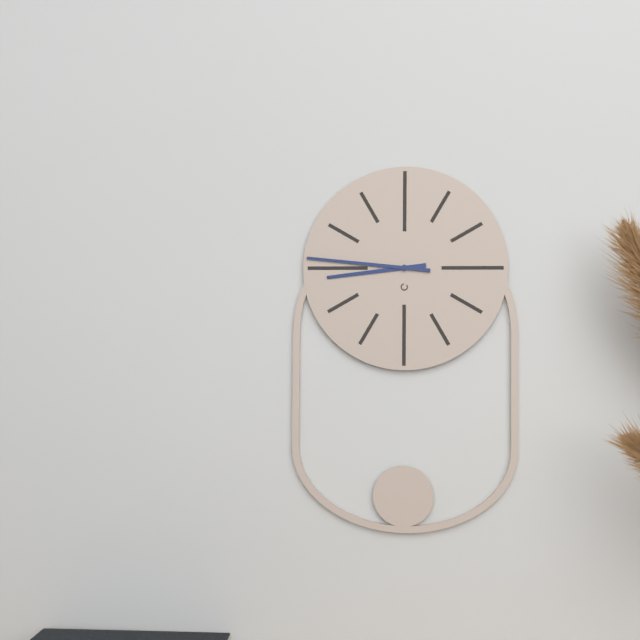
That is 8.46
